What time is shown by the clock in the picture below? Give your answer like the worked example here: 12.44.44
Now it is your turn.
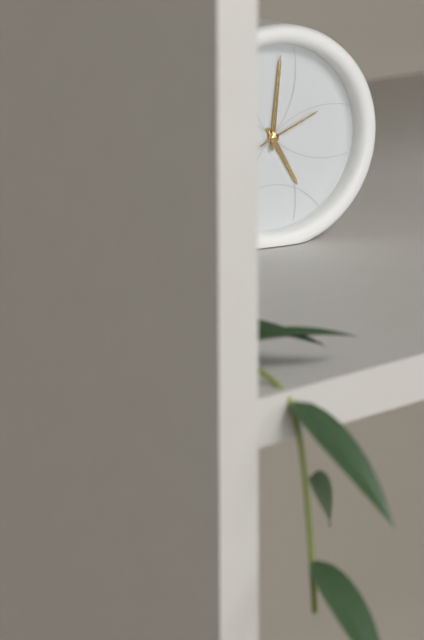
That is 5.01.11
